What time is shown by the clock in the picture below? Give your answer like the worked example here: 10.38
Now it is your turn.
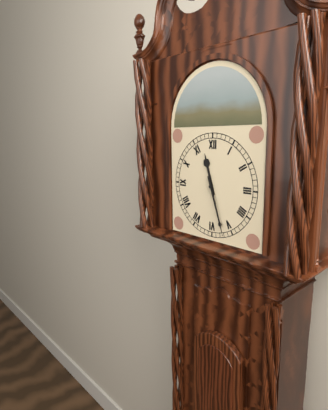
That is 11.27
